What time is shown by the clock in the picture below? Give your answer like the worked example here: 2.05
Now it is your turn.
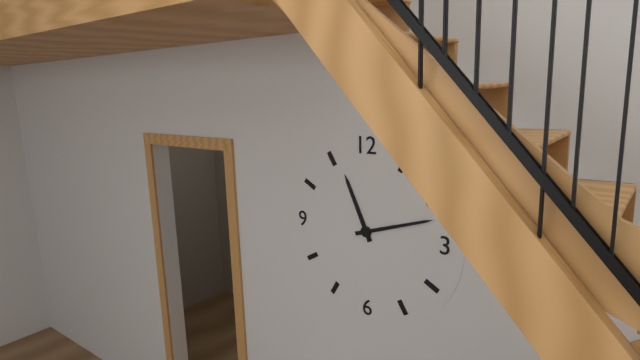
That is 11.12
